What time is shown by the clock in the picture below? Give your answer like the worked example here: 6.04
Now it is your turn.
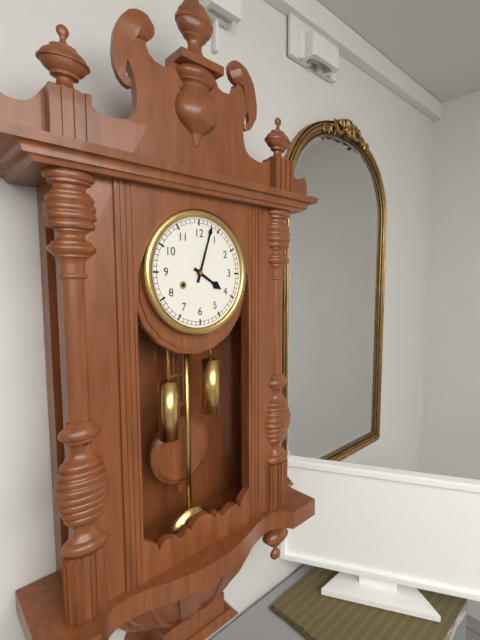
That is 4.03
